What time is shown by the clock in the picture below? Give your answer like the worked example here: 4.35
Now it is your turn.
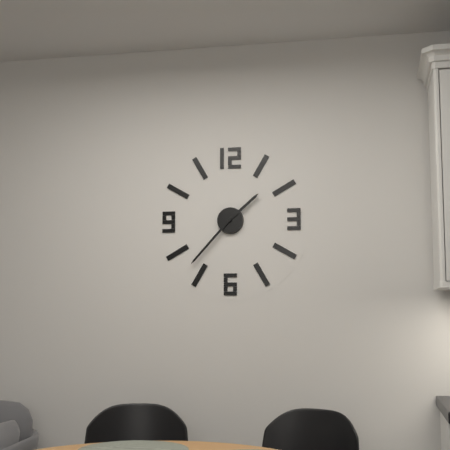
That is 1.37
